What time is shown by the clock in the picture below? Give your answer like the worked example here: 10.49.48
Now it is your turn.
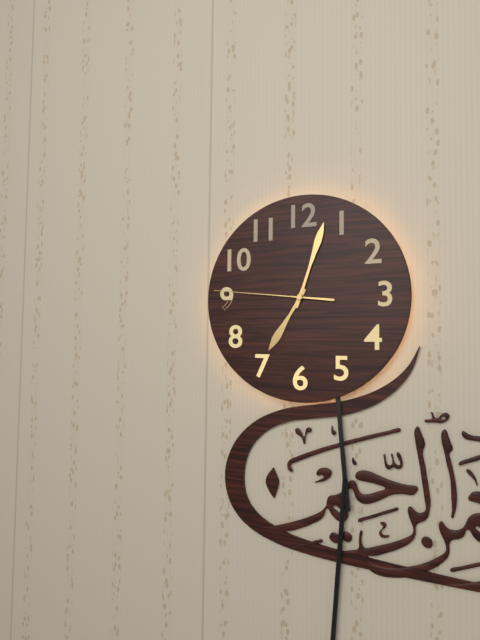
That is 7.03.46
